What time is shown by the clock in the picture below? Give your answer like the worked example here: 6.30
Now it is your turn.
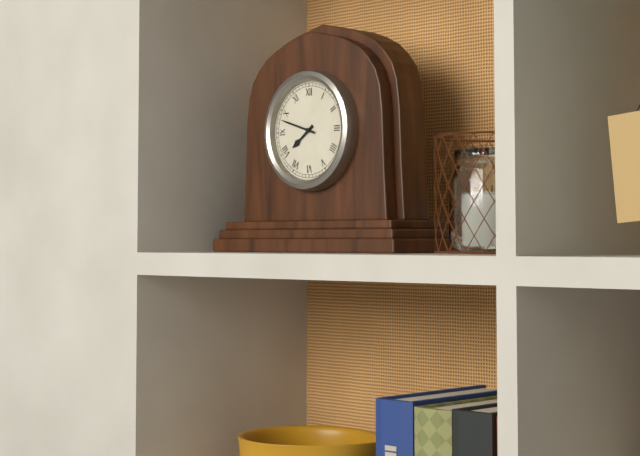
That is 7.48
